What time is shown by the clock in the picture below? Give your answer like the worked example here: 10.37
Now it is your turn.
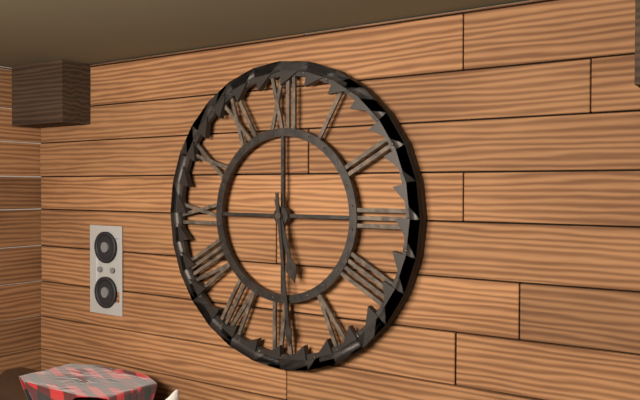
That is 5.29
